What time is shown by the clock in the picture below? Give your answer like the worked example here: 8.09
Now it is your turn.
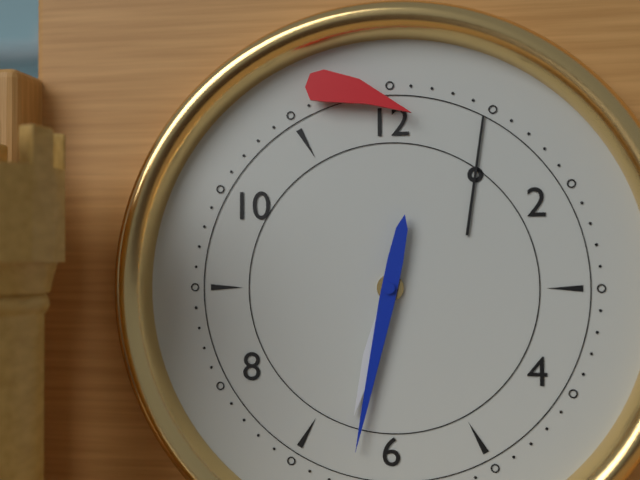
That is 6.32
